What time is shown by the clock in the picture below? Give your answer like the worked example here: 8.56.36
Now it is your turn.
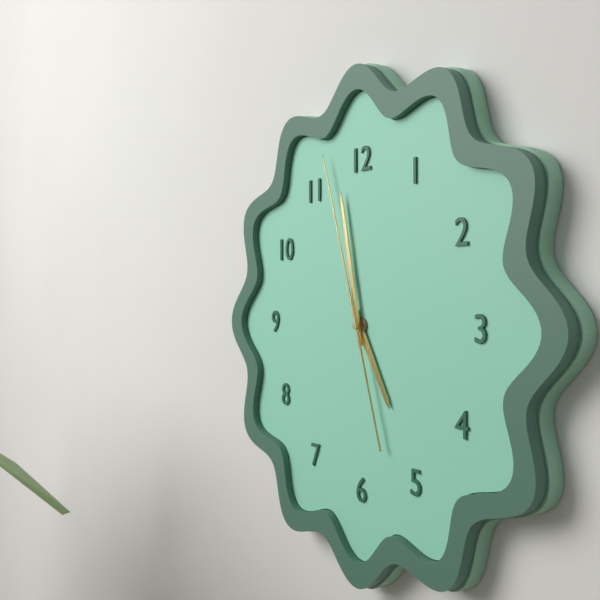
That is 4.58.57
